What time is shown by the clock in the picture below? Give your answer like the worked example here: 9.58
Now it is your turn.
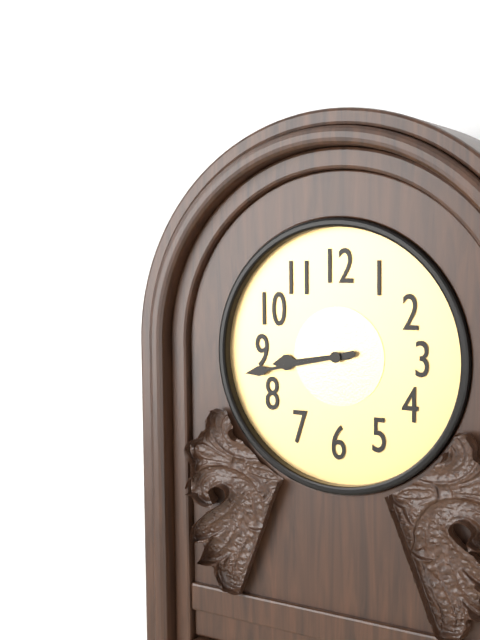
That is 8.43
